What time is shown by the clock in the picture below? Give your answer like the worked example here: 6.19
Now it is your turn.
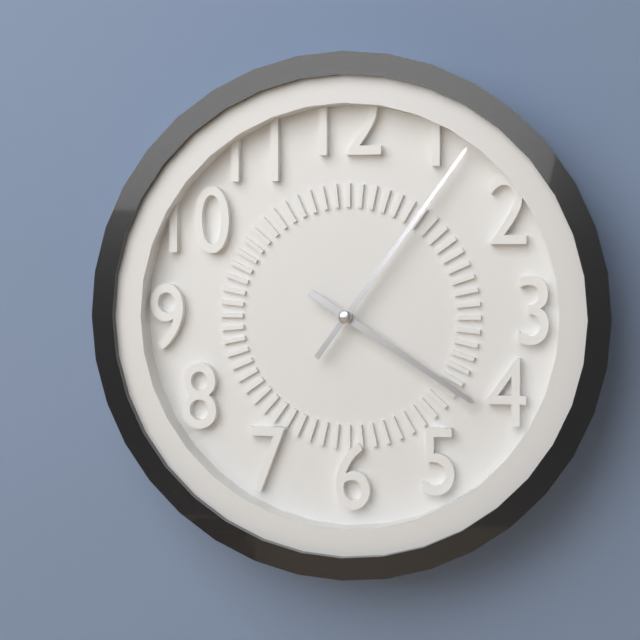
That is 4.06
